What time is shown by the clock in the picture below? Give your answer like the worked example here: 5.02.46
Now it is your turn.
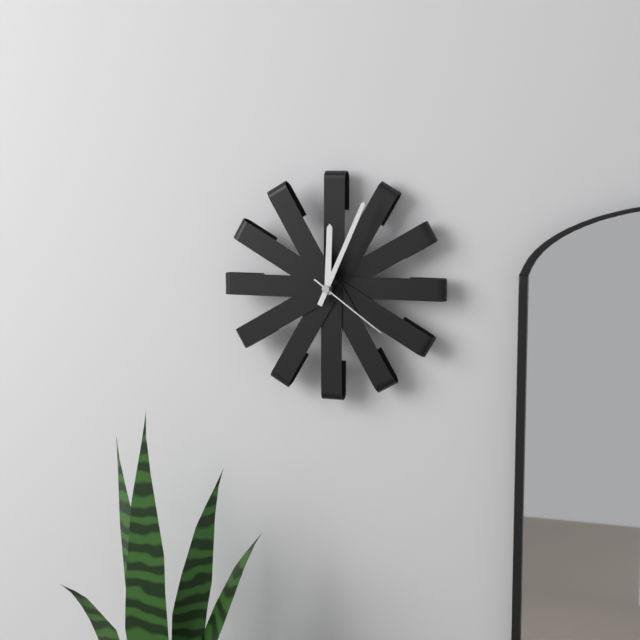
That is 12.04.21
